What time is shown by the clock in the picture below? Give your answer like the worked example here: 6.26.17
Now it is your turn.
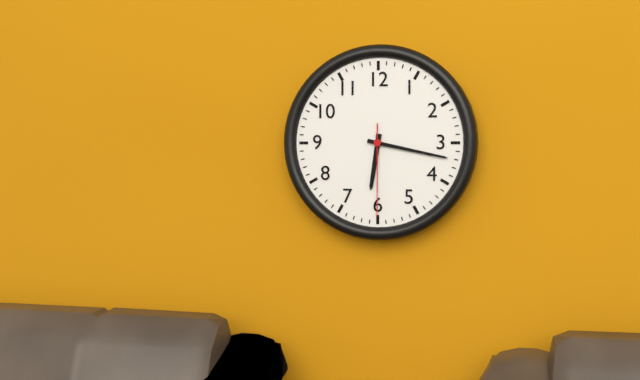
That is 6.17.30
